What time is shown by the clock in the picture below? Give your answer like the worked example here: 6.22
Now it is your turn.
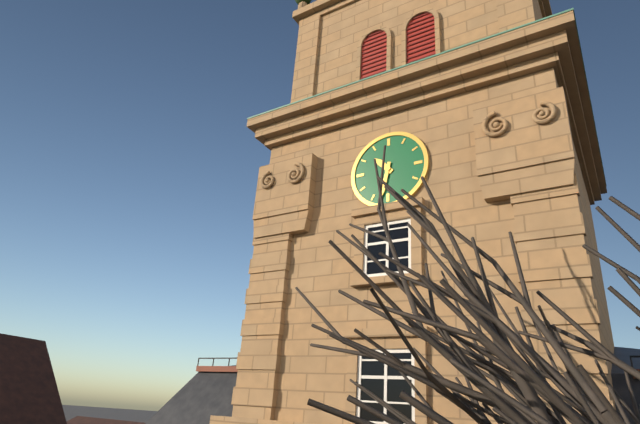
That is 10.32
